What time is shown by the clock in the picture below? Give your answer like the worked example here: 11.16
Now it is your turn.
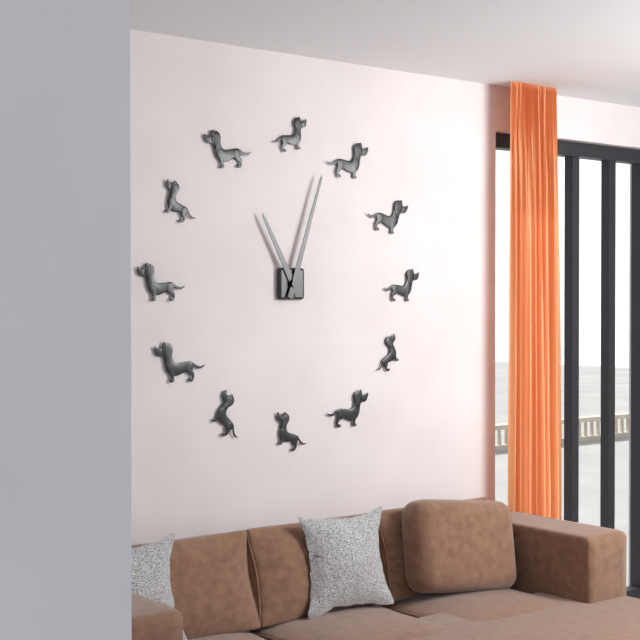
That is 11.03
